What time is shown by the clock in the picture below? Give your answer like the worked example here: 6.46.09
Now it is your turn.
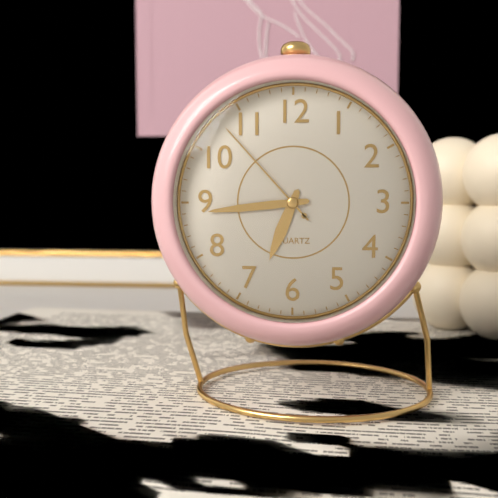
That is 6.44.53
